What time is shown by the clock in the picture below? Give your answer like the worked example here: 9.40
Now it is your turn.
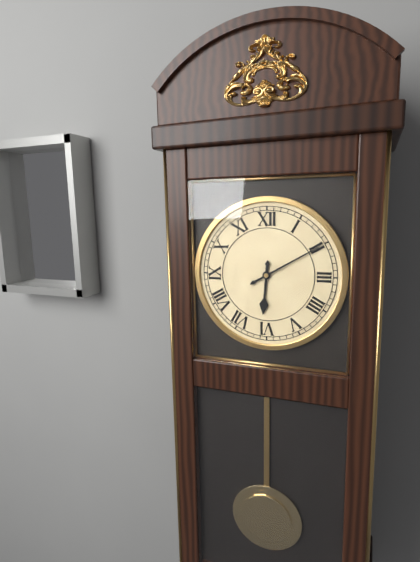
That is 6.10
